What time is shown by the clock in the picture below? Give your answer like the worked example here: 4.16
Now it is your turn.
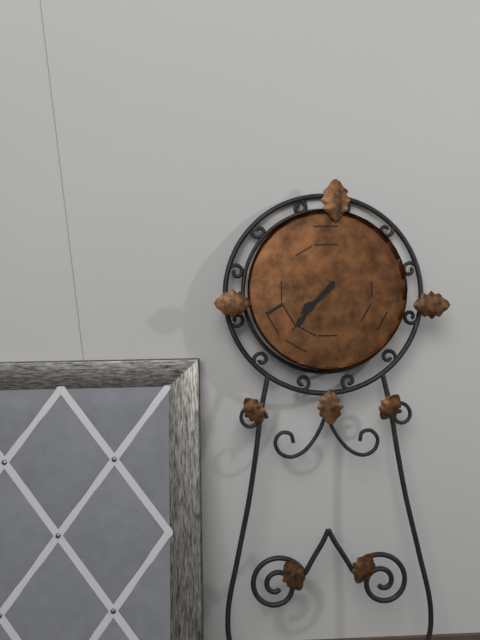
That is 7.37
